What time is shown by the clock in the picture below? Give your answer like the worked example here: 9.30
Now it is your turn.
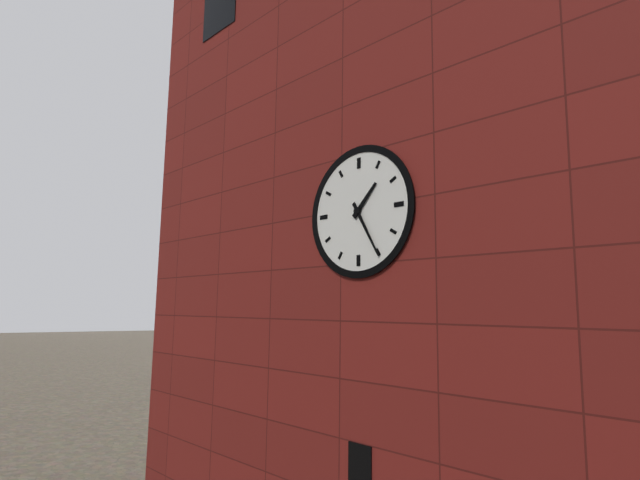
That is 1.25
